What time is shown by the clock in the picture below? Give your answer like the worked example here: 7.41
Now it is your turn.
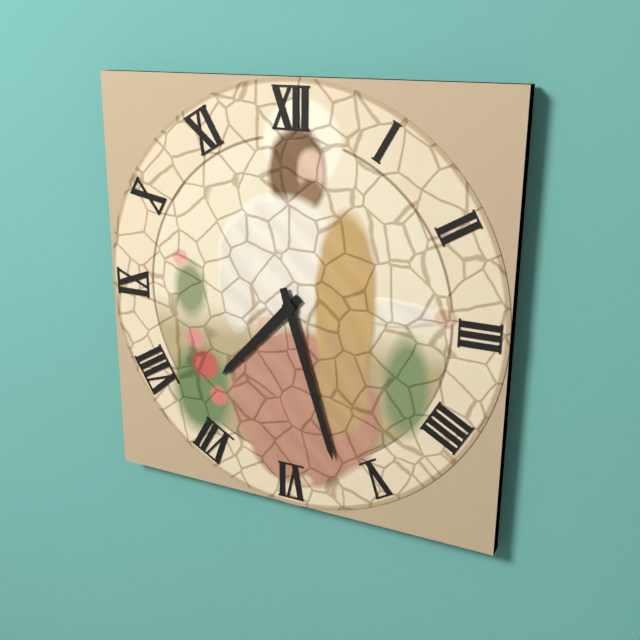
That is 7.27
